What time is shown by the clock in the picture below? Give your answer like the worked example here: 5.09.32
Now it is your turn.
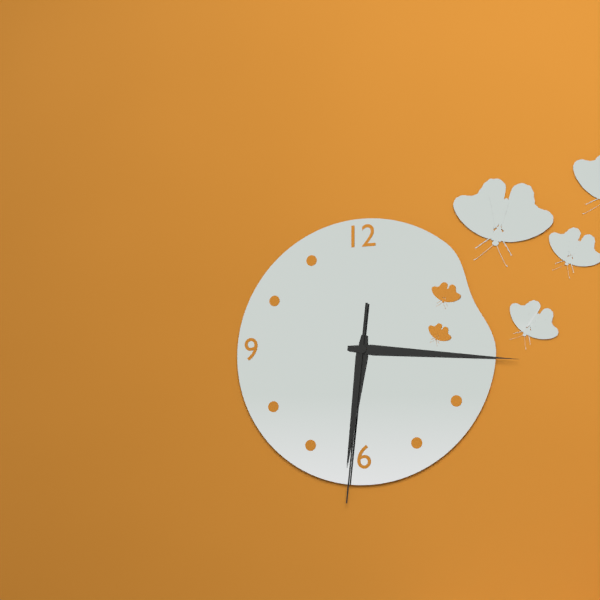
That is 6.16.31
